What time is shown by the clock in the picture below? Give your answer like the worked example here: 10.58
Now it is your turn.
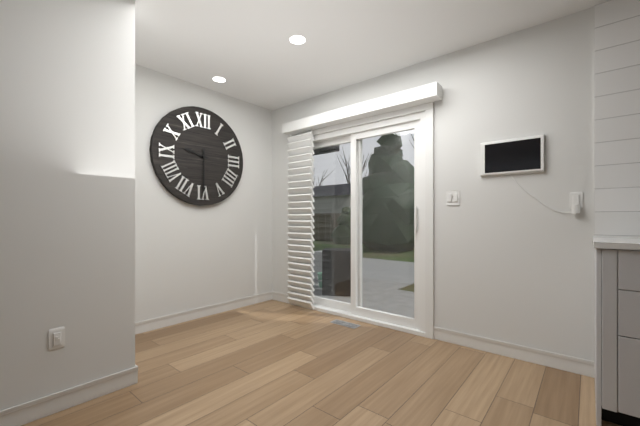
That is 9.30
